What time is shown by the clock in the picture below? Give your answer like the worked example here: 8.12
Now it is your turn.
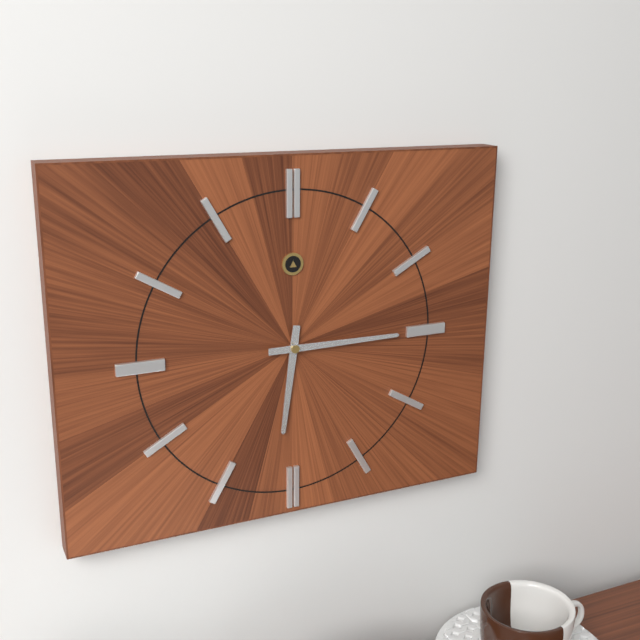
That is 6.15
